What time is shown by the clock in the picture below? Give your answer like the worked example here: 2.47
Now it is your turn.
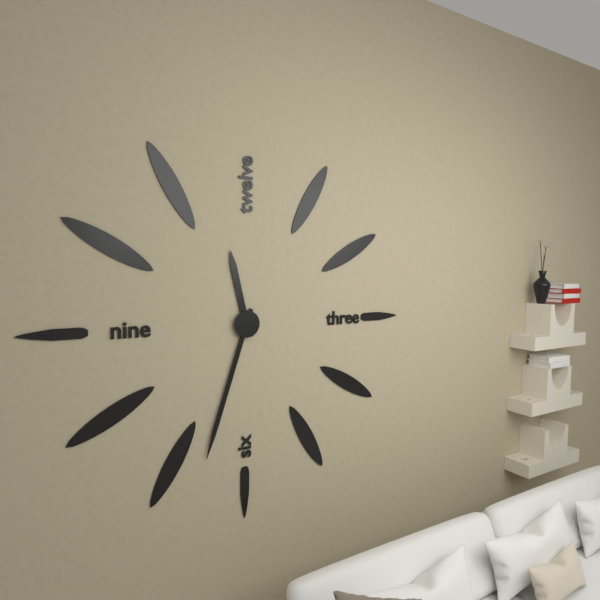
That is 11.33
